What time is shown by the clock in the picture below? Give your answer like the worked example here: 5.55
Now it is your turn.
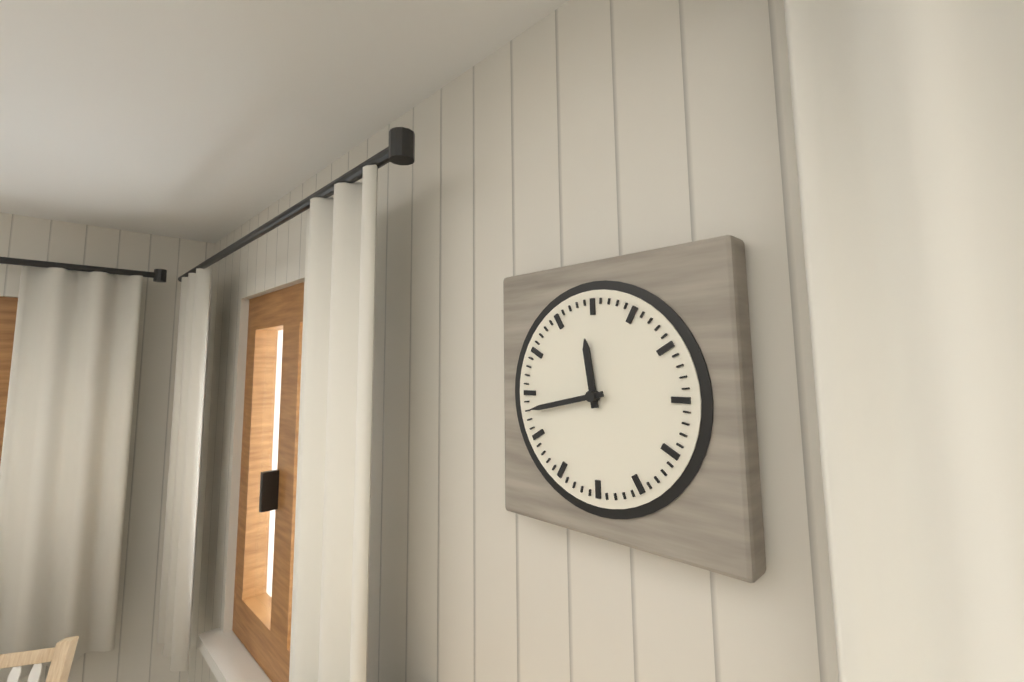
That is 11.43
